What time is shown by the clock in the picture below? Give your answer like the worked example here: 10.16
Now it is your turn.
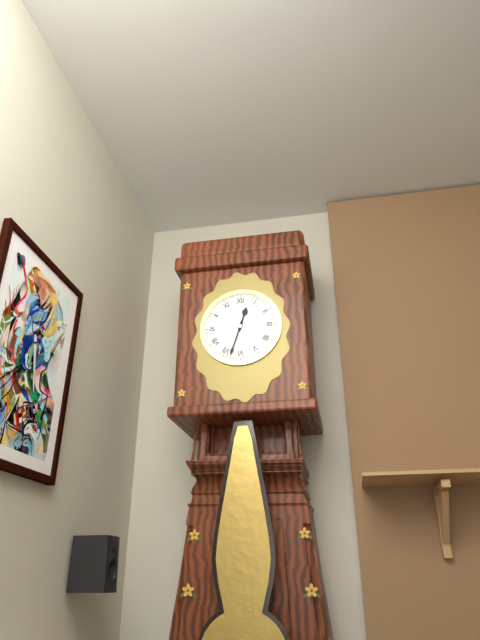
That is 12.33
